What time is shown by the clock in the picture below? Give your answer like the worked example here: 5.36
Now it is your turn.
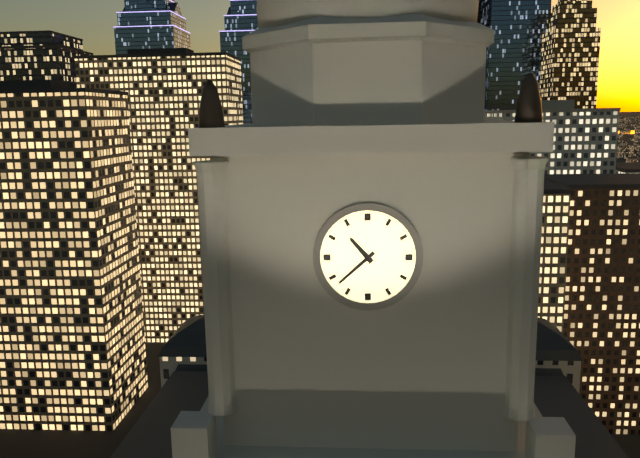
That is 10.38
